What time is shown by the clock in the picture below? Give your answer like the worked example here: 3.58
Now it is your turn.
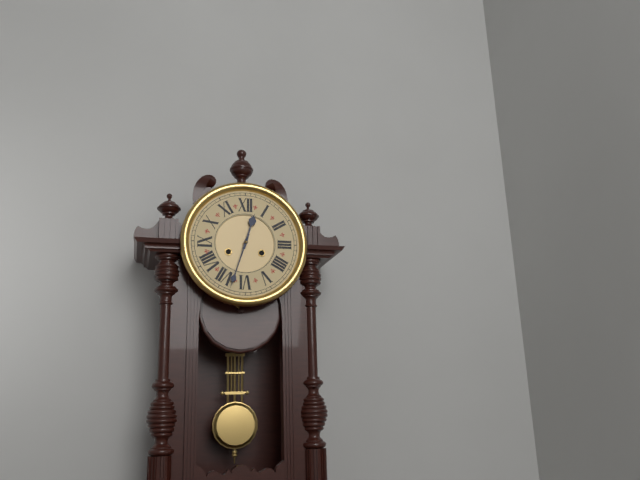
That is 12.33
